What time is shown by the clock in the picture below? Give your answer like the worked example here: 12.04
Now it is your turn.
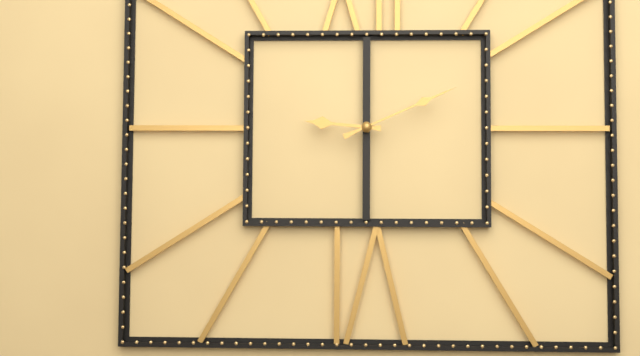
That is 9.11
